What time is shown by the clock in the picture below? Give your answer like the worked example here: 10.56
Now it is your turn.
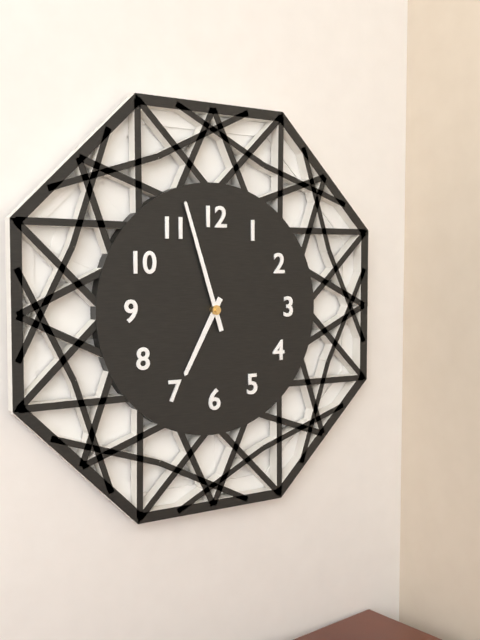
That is 6.57
